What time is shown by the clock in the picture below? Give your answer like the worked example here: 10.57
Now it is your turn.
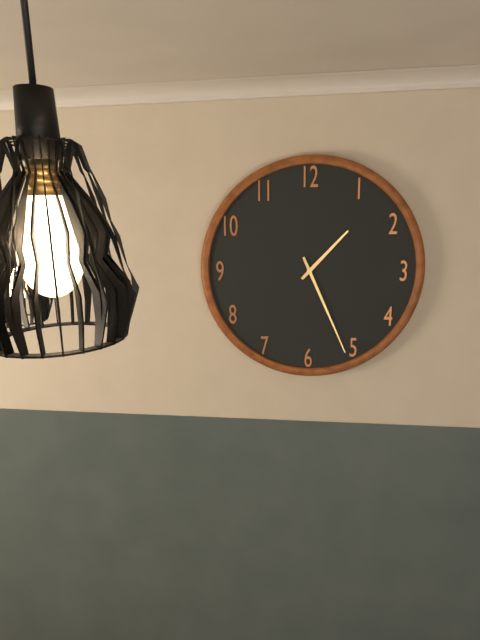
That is 1.26
